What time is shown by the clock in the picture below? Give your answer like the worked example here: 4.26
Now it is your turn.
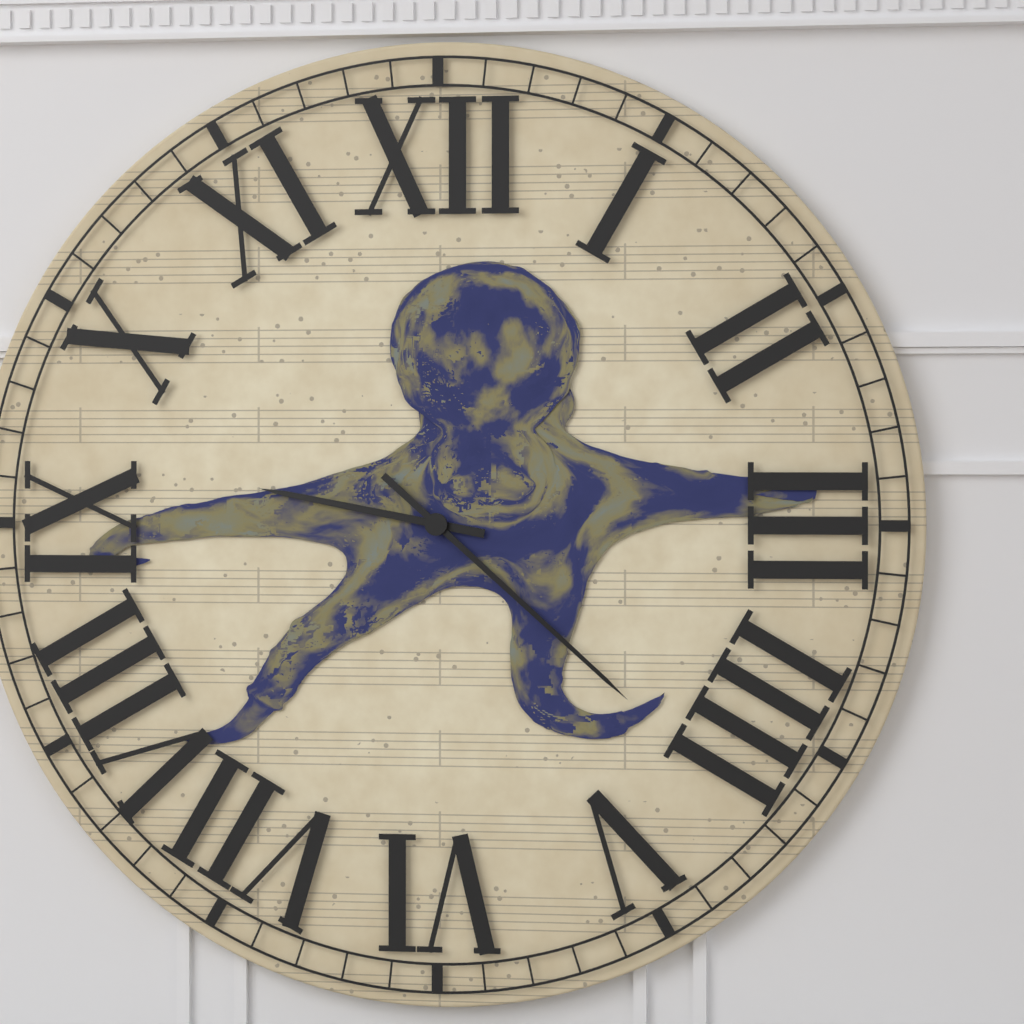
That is 9.22
